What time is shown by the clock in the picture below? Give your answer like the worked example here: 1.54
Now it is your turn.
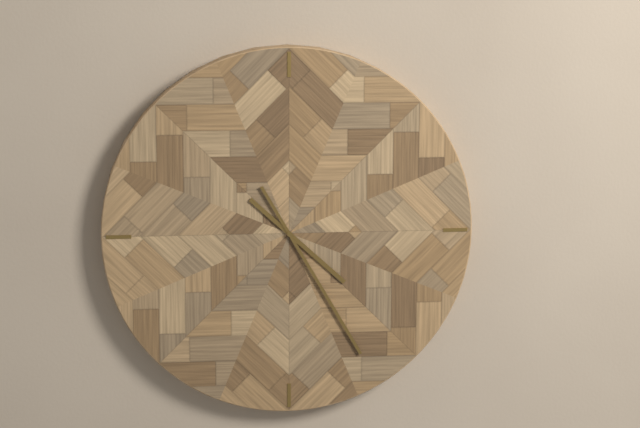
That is 4.25
